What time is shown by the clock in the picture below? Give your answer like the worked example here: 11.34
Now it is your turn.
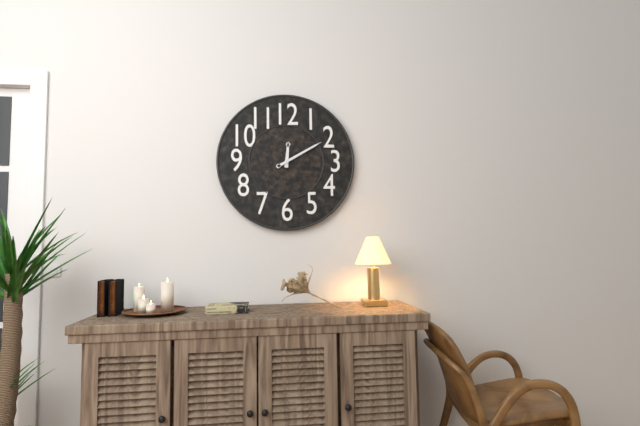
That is 12.10
